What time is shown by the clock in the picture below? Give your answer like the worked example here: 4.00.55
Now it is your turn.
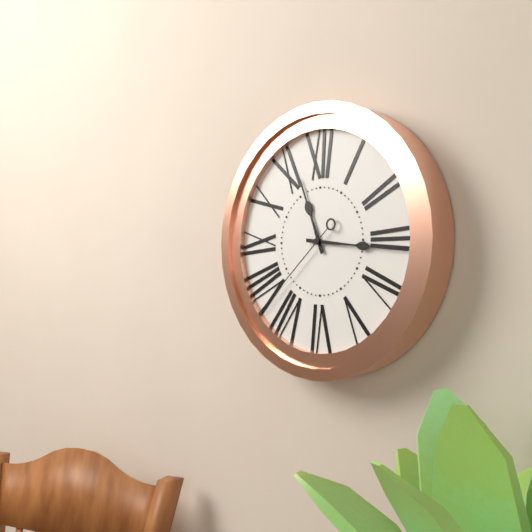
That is 11.16.38
